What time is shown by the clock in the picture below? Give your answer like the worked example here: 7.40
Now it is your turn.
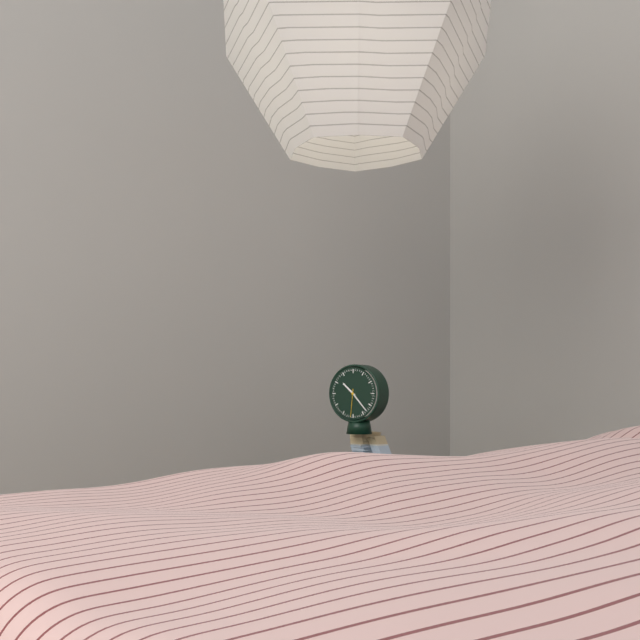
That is 10.23
